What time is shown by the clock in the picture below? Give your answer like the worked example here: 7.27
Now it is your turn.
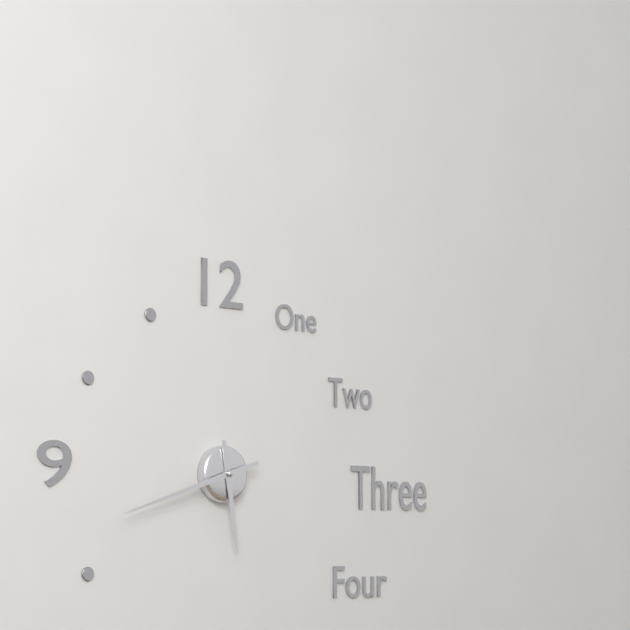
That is 5.42
